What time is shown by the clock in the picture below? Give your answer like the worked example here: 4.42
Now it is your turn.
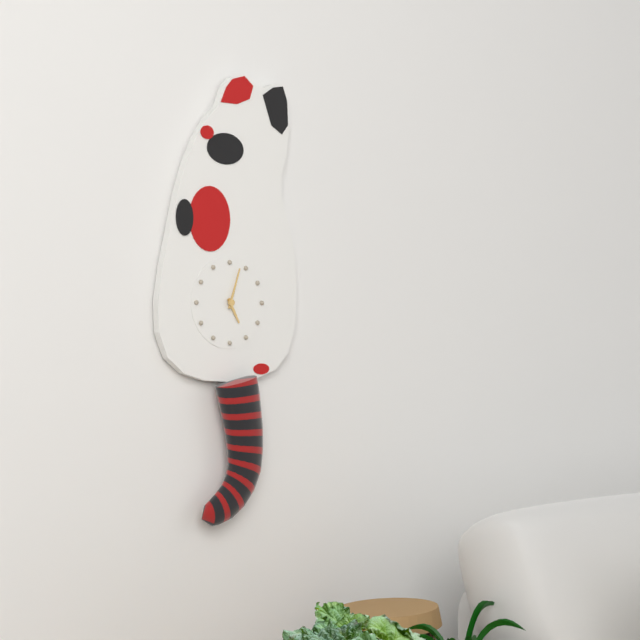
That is 5.03
